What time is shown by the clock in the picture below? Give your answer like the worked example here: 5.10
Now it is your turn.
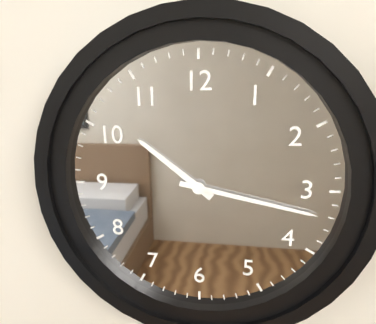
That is 10.17
